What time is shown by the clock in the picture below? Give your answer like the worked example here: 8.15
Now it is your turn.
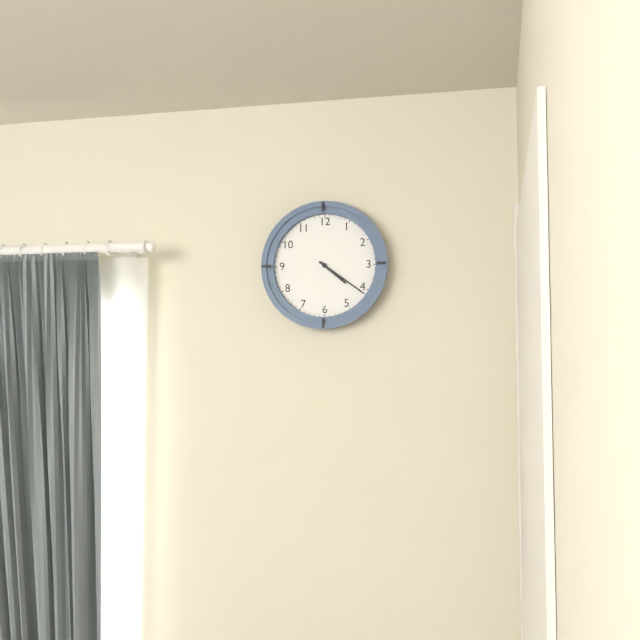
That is 4.21
